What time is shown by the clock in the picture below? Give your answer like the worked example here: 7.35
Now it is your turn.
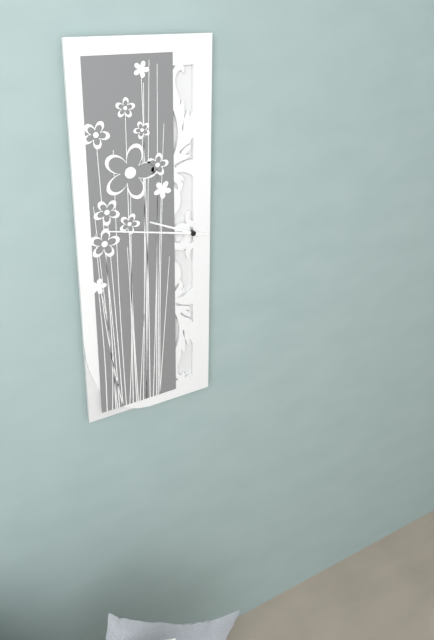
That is 9.47
